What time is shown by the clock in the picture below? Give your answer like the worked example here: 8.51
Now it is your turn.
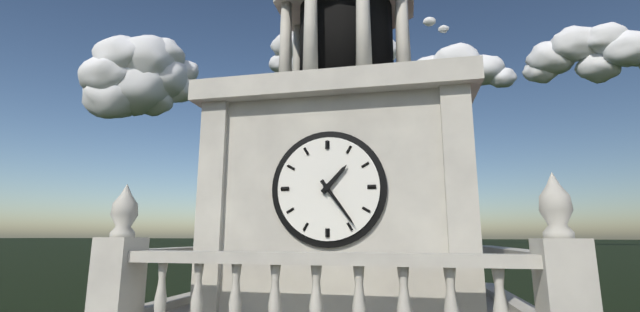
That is 1.24
